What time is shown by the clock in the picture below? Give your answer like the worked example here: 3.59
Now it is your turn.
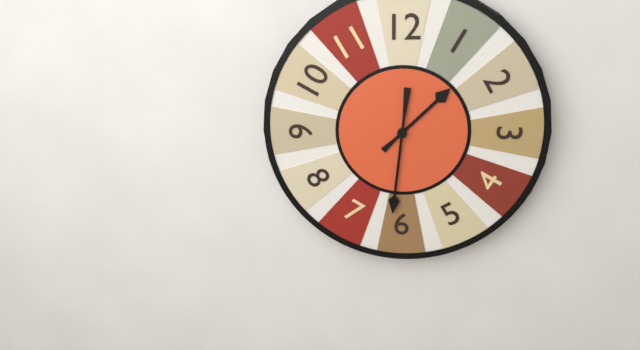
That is 1.31
